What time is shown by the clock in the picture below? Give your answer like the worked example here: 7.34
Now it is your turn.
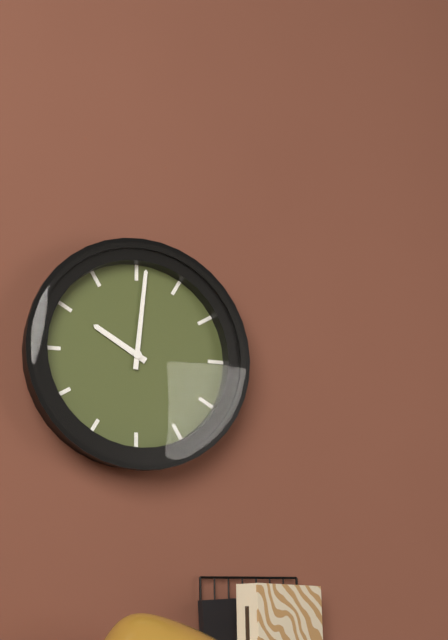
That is 10.01
